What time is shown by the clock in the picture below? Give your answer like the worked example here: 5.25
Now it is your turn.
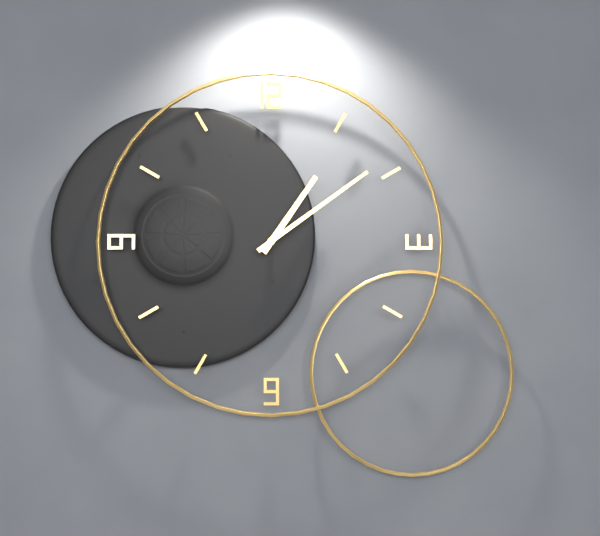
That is 1.09
